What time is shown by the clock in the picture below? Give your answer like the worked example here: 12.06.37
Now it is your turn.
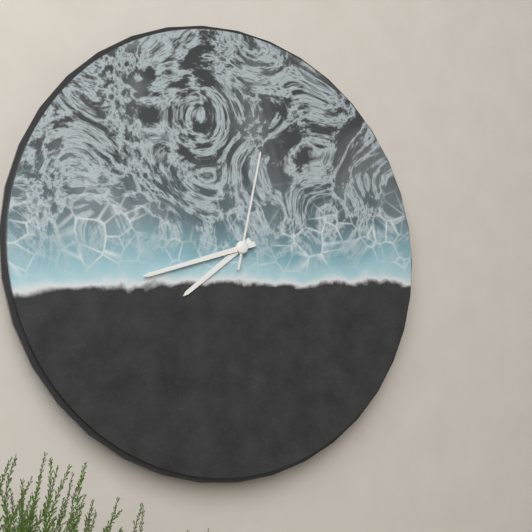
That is 7.42.02
